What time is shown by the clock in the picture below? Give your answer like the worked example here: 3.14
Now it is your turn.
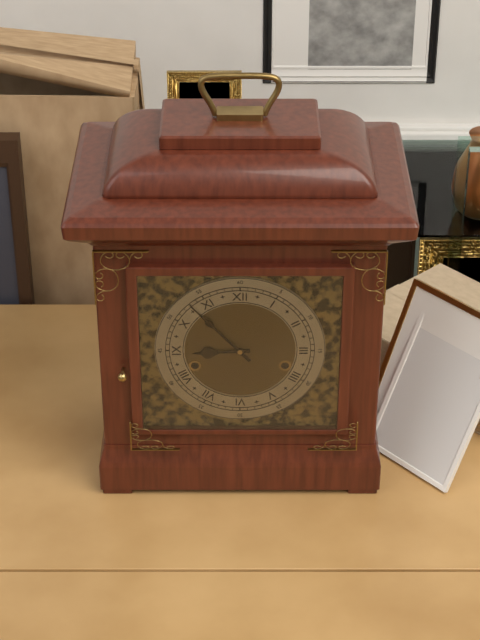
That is 8.53
